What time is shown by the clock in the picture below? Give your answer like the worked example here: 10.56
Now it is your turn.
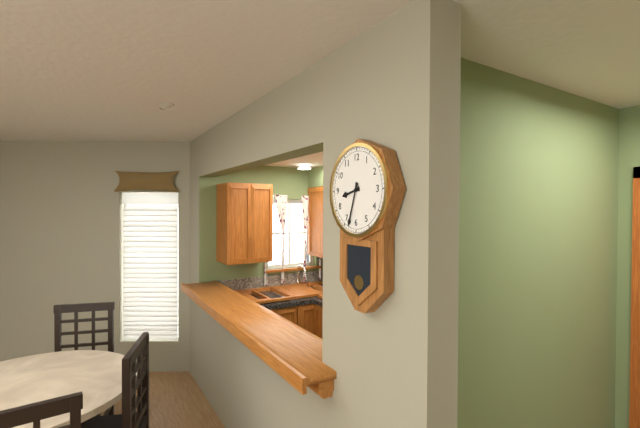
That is 8.33
